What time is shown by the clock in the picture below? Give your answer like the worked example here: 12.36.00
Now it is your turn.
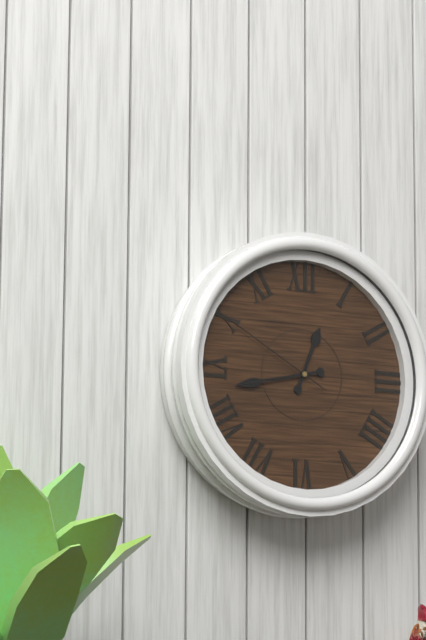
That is 12.43.50
